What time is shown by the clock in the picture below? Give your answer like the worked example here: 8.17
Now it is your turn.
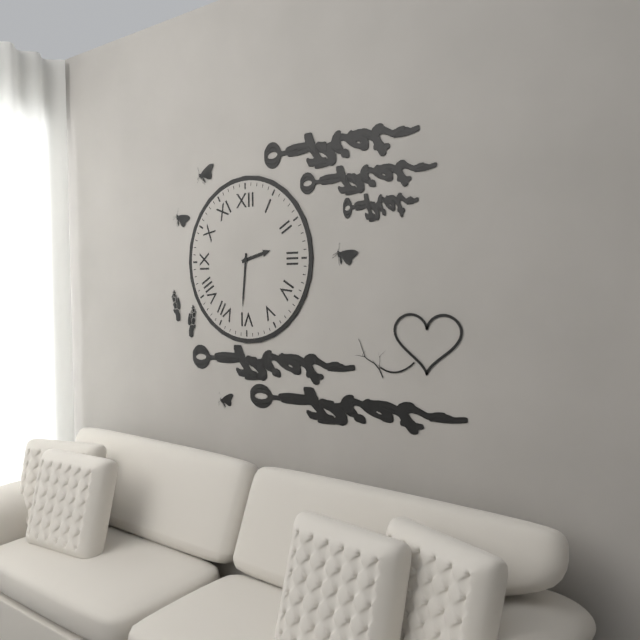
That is 2.31
